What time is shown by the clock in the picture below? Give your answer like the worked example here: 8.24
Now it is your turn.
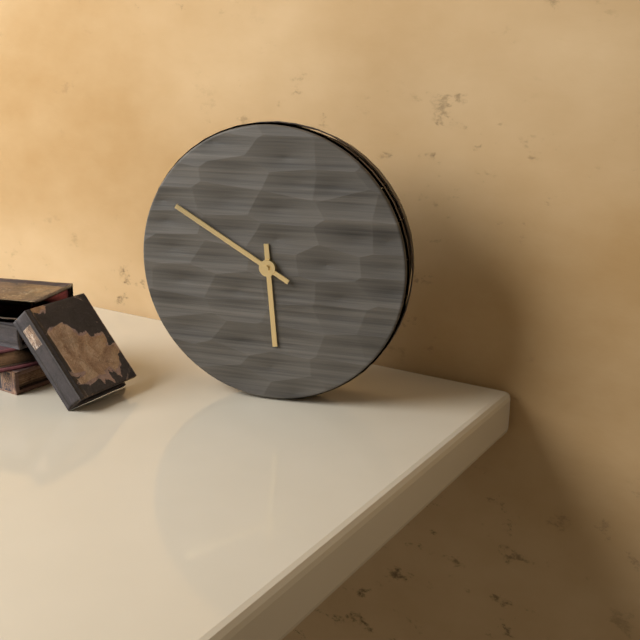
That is 5.50
